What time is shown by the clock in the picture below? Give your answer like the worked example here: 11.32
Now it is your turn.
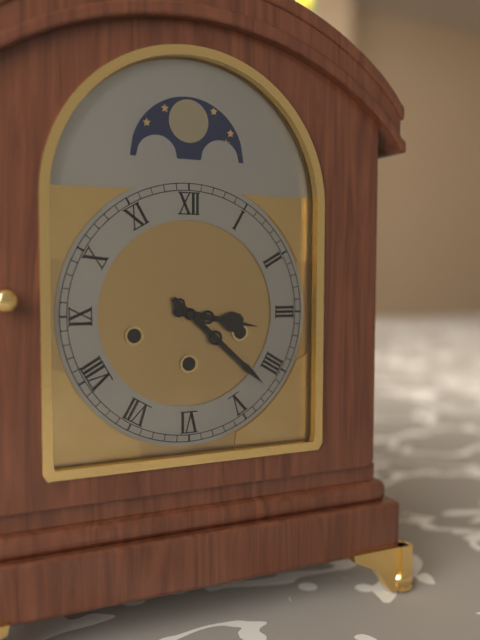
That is 3.22
